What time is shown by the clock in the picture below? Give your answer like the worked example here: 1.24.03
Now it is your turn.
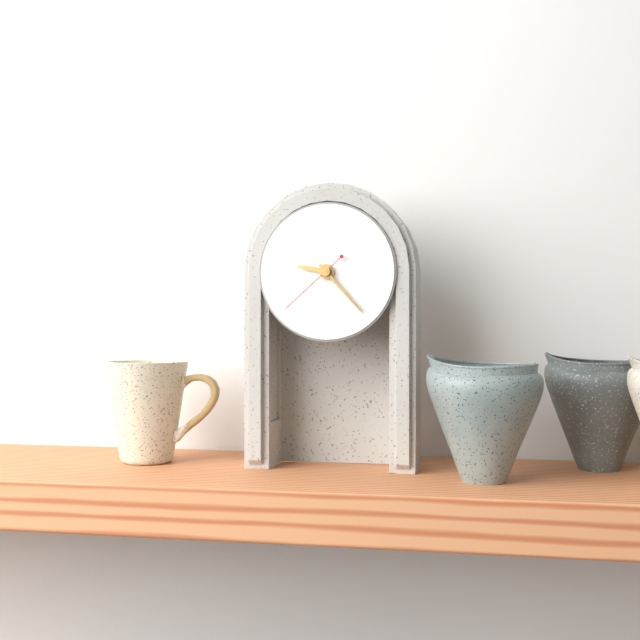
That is 9.23.38
